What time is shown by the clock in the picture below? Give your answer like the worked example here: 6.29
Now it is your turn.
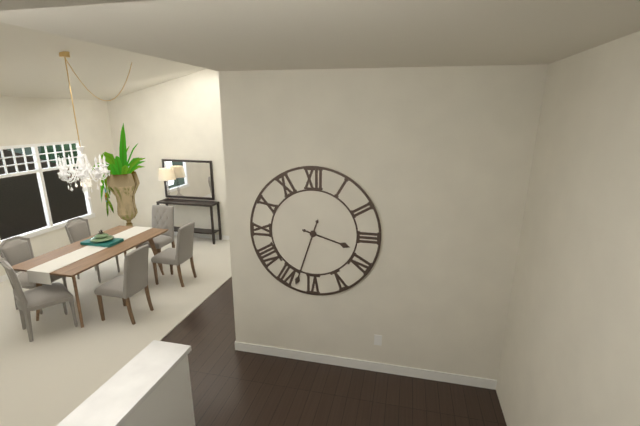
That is 3.33
